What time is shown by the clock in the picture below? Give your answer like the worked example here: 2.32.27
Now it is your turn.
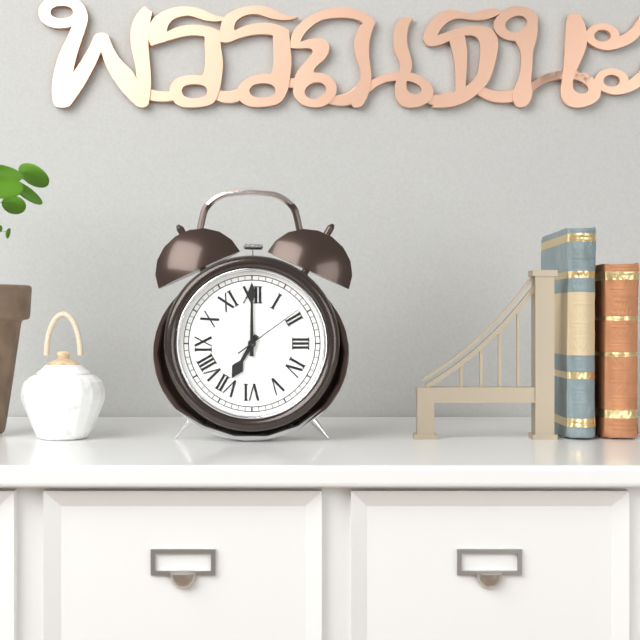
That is 7.00.09
